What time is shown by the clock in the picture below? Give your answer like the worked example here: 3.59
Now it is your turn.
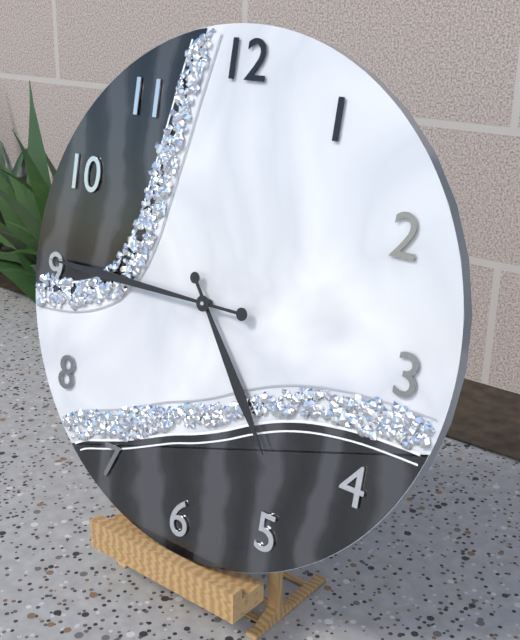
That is 4.45
